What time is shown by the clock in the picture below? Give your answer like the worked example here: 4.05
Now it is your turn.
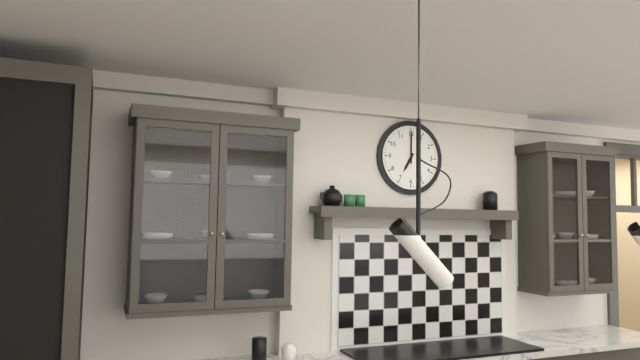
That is 7.00
